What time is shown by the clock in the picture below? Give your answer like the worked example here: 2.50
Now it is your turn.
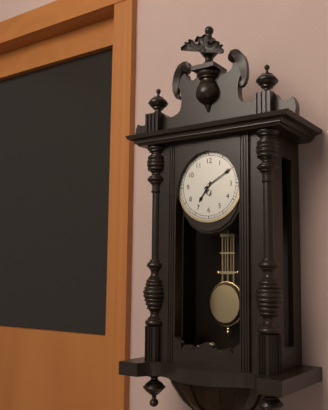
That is 7.10
